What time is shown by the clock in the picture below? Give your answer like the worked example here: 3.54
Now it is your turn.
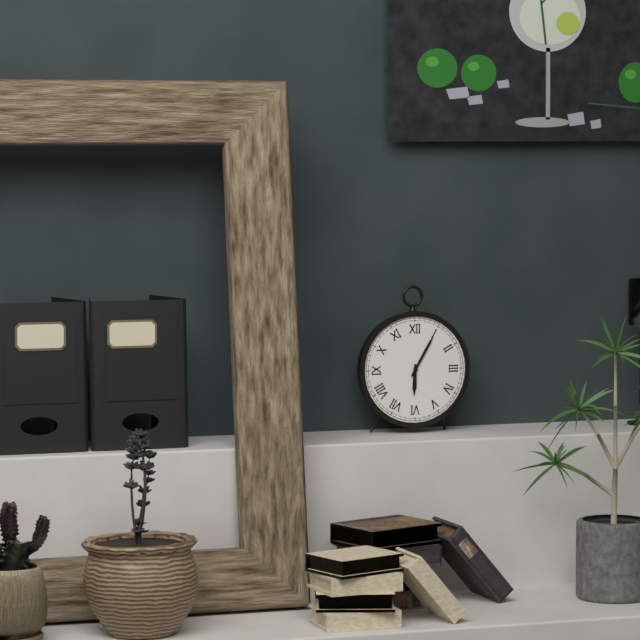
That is 6.05
